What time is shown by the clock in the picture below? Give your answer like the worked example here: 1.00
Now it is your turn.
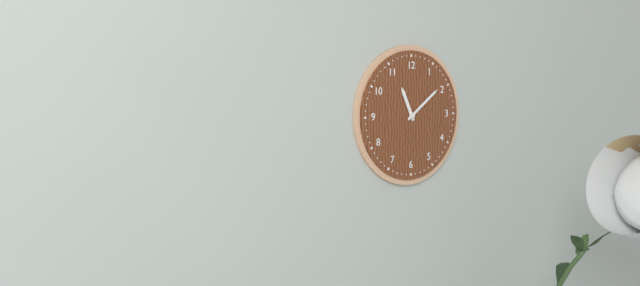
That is 11.09
